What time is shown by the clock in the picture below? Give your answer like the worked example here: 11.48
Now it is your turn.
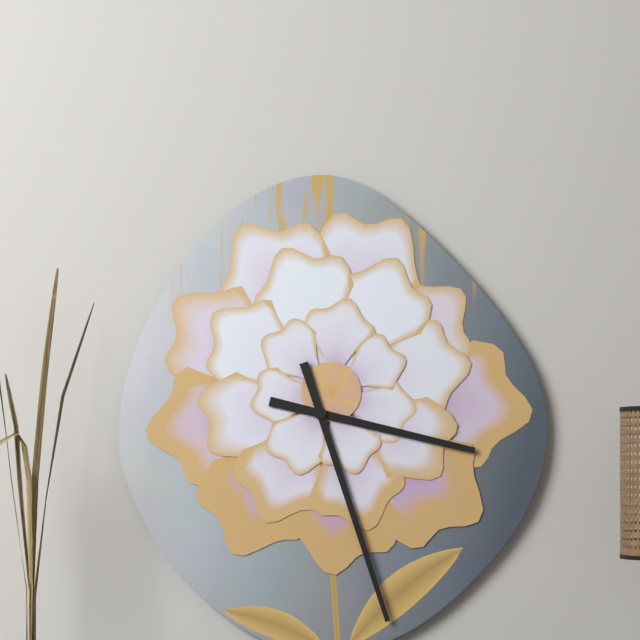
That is 3.27
